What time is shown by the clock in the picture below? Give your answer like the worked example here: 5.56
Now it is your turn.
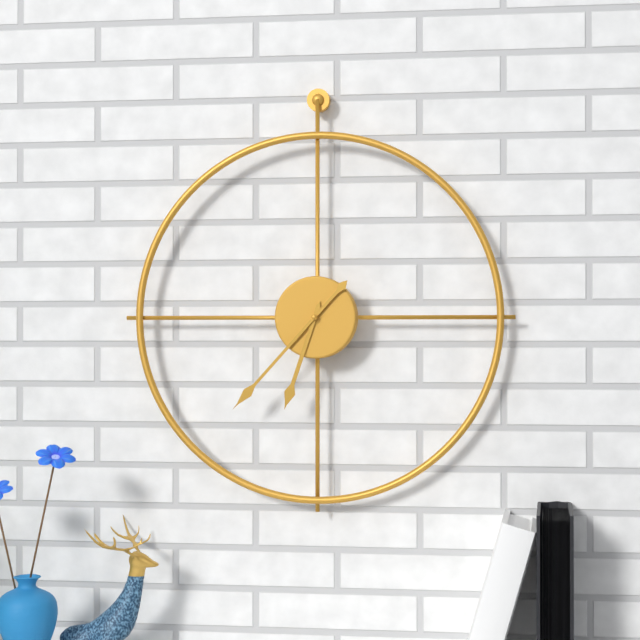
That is 6.37
